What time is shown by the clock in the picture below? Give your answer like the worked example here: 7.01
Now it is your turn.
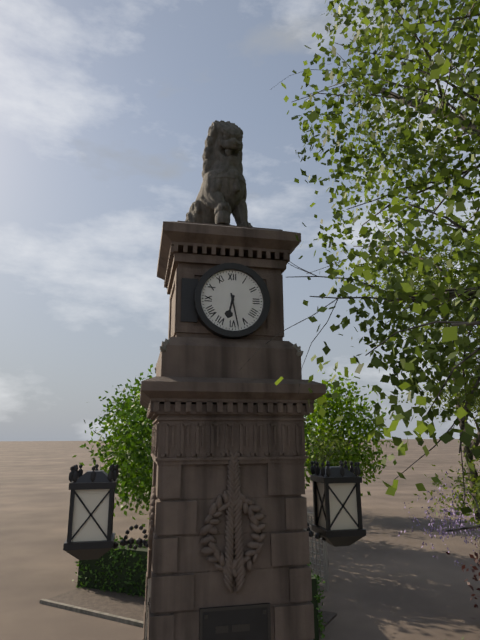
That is 6.28
